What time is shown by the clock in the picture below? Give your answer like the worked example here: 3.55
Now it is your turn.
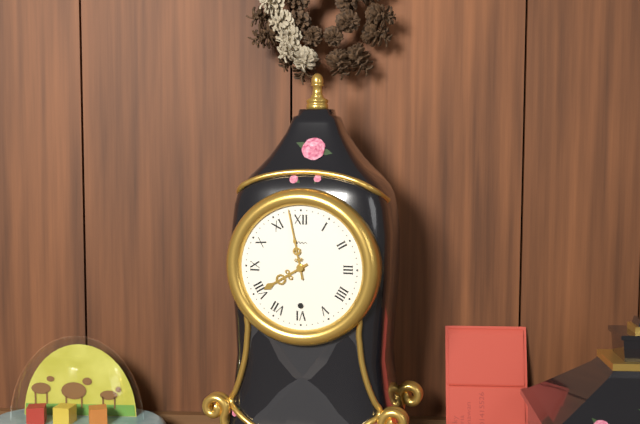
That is 7.58
